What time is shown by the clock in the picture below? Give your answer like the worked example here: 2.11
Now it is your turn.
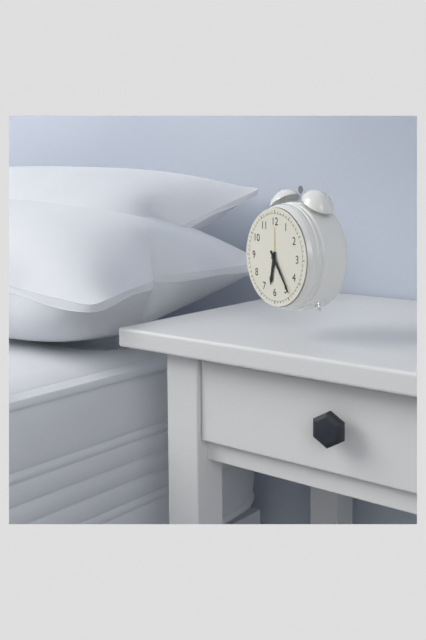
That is 6.24
